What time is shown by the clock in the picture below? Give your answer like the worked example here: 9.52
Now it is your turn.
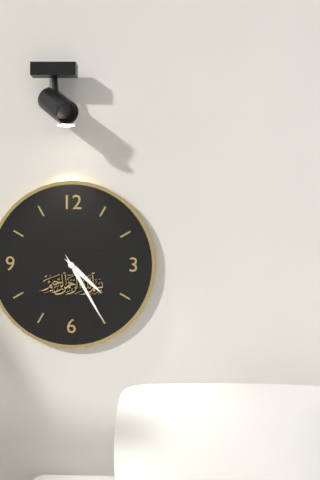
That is 4.25
